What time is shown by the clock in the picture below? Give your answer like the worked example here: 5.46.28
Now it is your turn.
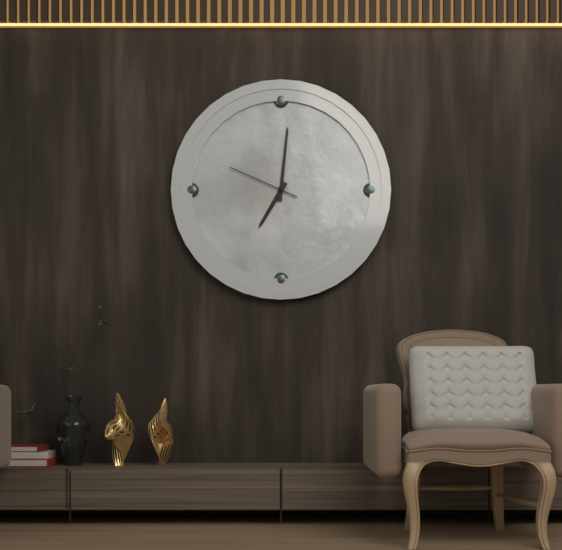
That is 7.01.49
